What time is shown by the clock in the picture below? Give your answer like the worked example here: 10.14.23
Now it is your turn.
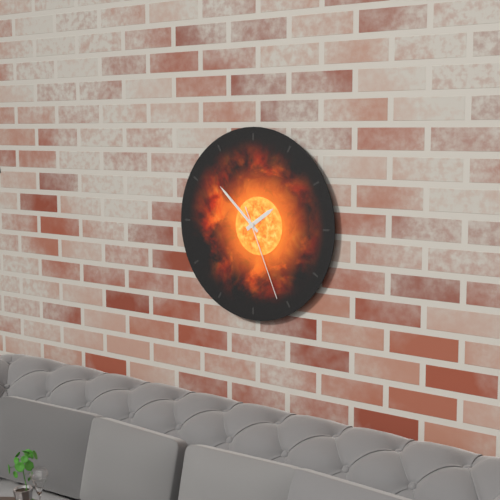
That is 1.52.26
